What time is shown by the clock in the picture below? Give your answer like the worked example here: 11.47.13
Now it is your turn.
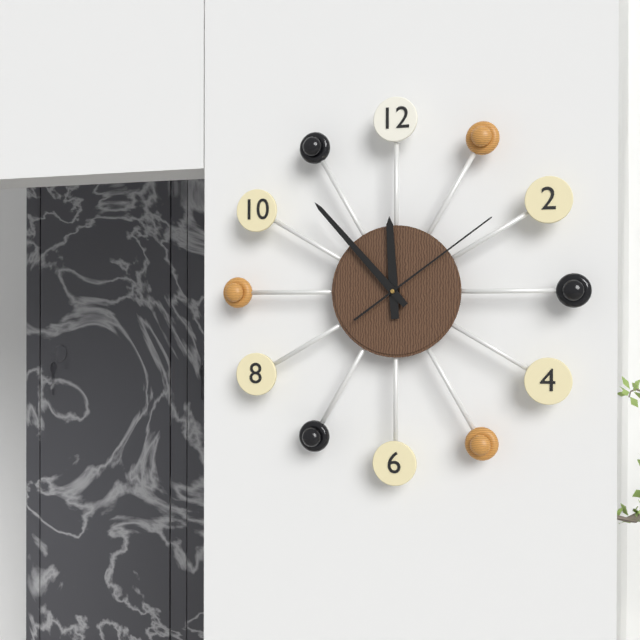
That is 11.53.09
